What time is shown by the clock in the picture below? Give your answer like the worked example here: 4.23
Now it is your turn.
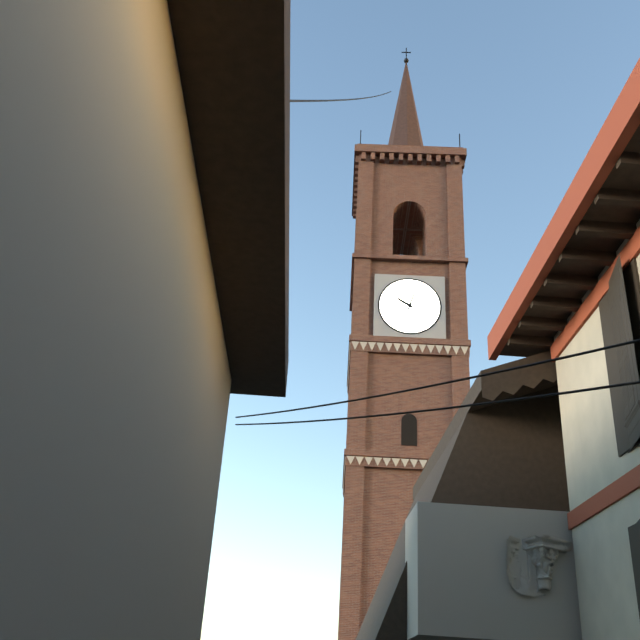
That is 10.03
